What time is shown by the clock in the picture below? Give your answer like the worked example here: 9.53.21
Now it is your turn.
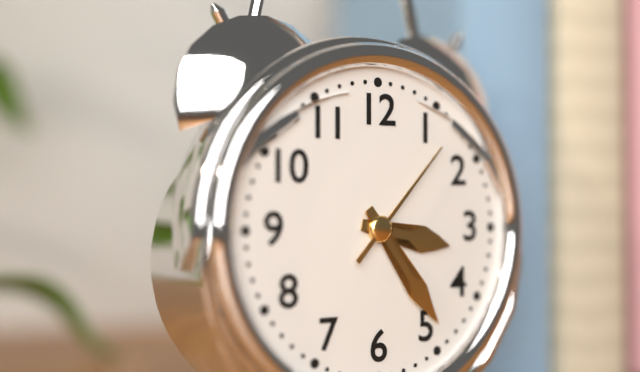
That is 3.24.07
